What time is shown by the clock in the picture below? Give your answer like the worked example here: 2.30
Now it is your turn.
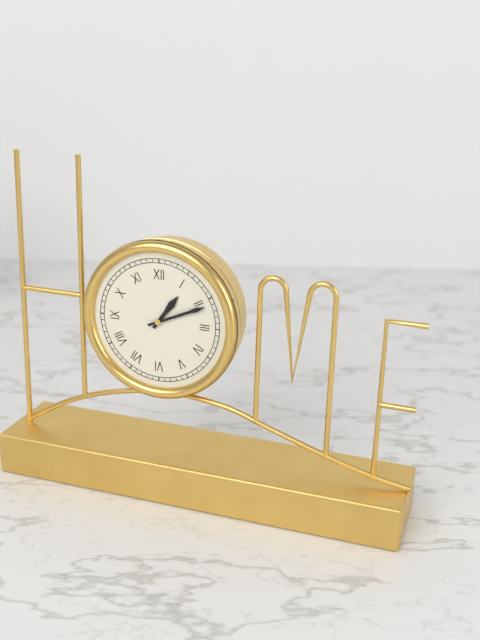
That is 1.11
